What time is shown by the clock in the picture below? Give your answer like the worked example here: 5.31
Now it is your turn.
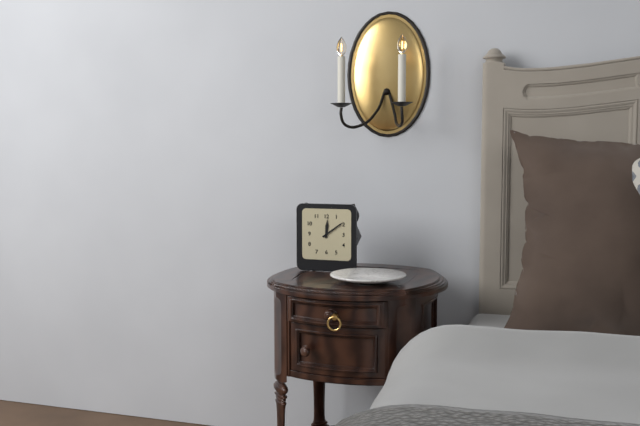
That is 12.09
